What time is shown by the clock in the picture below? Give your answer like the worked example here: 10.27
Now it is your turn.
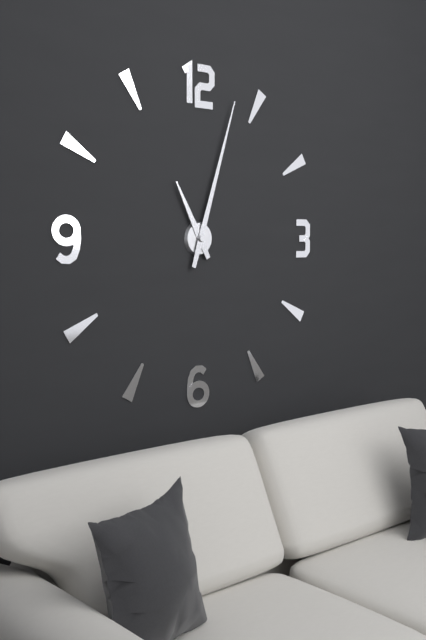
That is 11.03
